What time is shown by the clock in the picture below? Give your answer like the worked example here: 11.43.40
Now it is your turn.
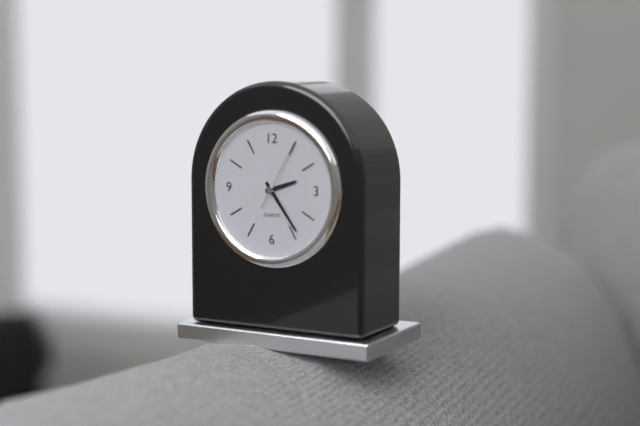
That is 2.24.05
